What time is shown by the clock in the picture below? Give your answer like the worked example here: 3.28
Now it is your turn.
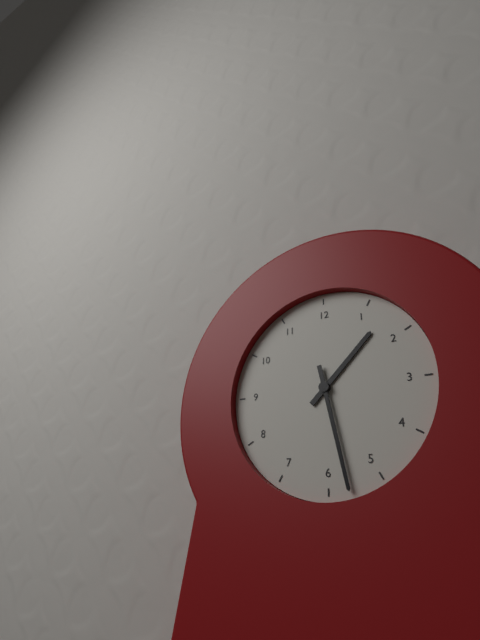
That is 1.28
